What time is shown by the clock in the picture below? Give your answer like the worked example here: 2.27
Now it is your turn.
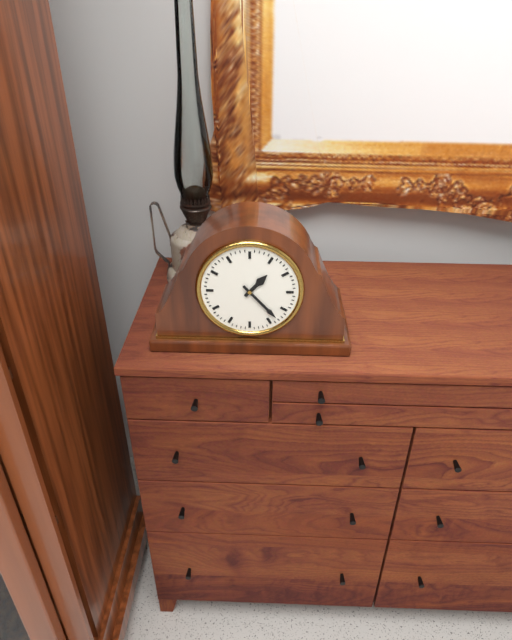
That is 1.23
